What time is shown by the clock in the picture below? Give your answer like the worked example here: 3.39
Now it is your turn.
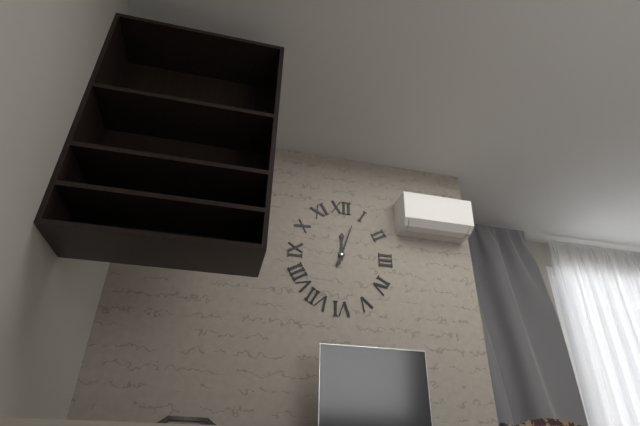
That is 12.03
